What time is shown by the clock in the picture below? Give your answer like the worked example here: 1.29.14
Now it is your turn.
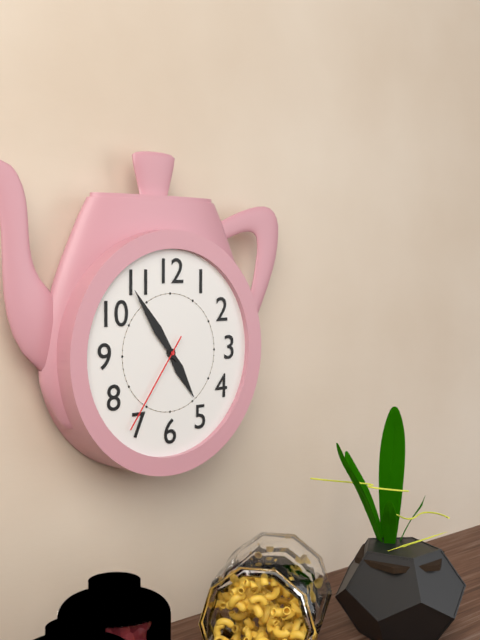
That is 4.54.36
